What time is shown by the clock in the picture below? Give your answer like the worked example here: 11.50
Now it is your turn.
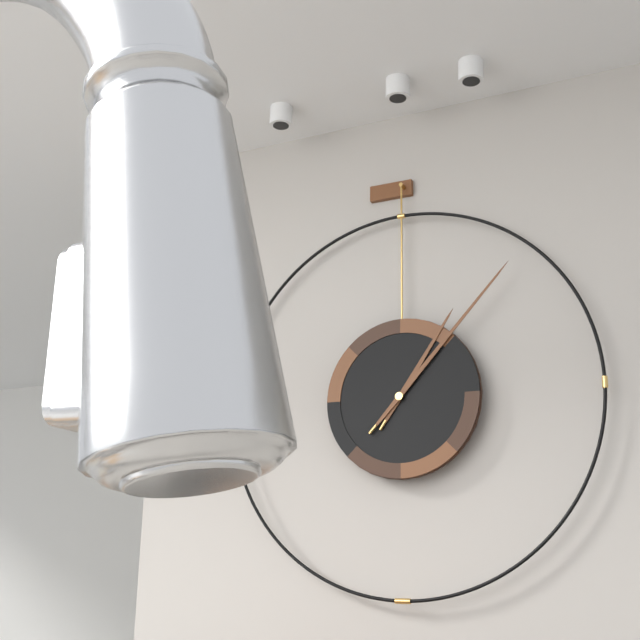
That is 1.07
